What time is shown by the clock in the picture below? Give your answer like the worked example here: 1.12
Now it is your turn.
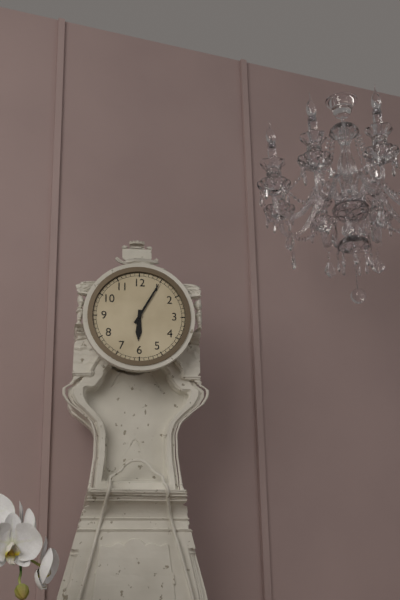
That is 6.05
